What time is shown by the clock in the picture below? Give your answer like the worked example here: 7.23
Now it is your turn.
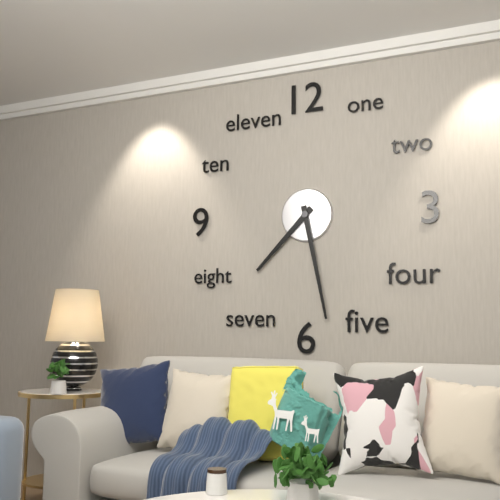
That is 7.28
